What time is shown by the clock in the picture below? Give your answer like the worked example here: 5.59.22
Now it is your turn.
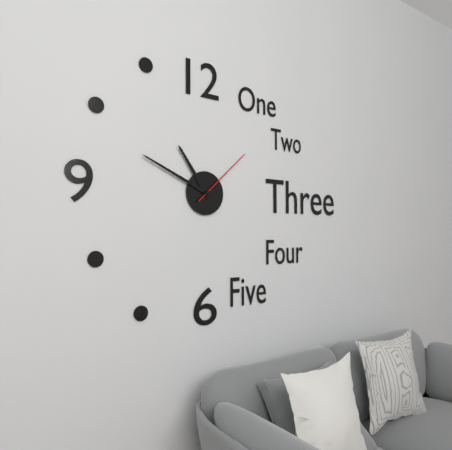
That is 10.49.08
